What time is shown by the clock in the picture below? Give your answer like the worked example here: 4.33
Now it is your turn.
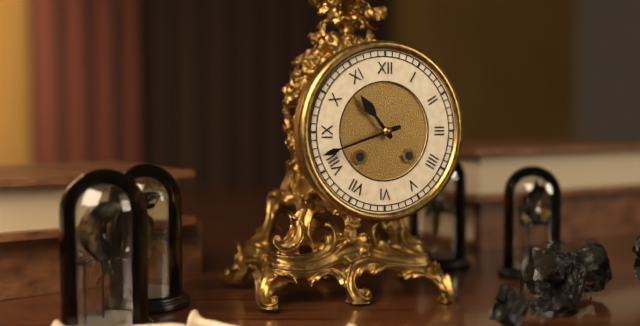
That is 10.42
